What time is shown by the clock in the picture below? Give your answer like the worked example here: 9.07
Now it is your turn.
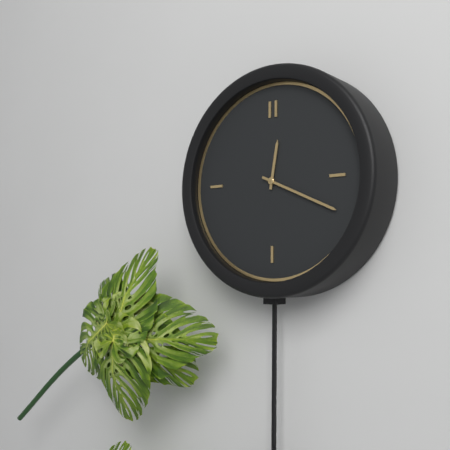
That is 12.19
